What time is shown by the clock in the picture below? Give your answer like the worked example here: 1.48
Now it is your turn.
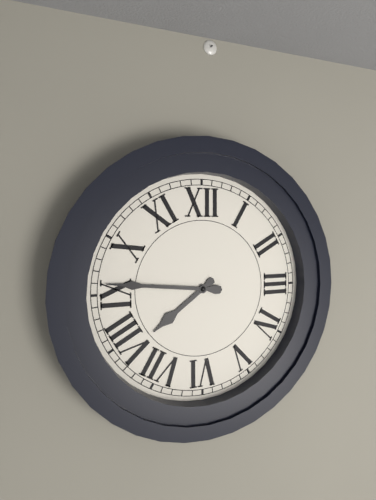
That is 7.46
